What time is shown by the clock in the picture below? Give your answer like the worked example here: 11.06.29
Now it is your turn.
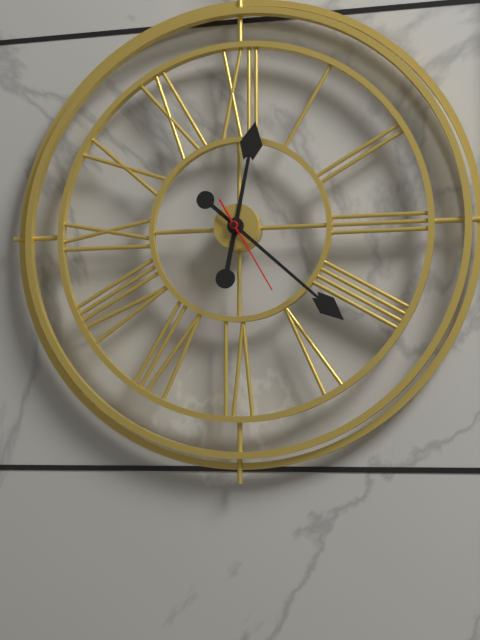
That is 12.22.25
